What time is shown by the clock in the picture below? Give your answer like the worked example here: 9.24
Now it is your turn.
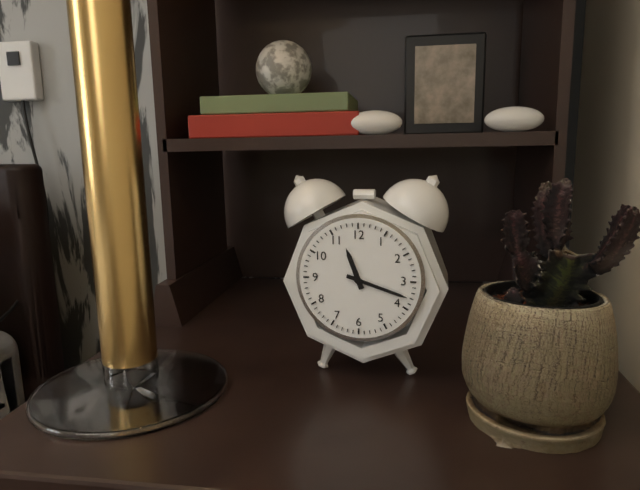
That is 11.18
